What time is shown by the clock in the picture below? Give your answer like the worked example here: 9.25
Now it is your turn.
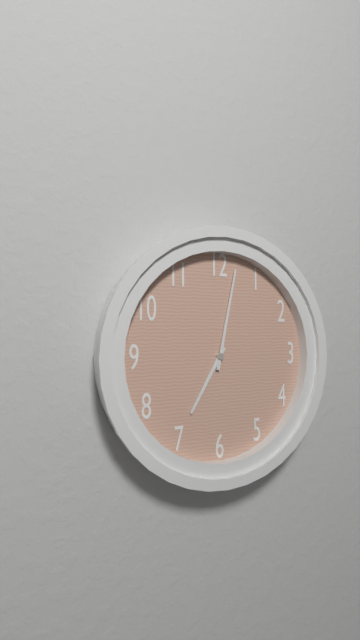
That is 7.02
